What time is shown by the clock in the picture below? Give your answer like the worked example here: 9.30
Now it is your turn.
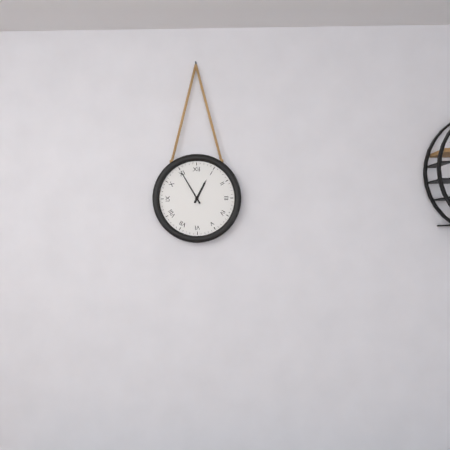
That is 12.55
